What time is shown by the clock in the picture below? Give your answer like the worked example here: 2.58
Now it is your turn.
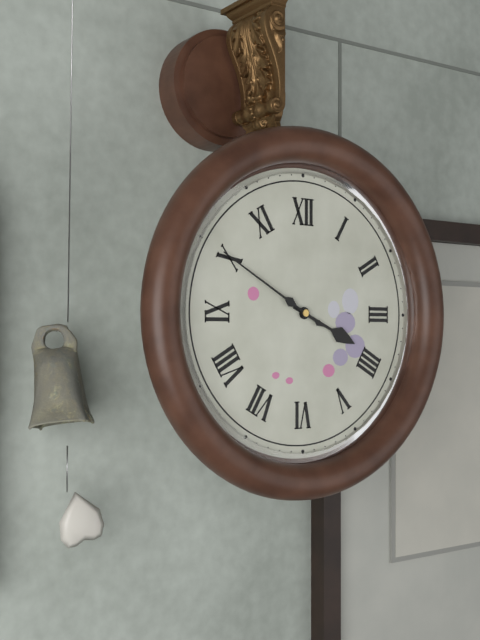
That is 3.50
